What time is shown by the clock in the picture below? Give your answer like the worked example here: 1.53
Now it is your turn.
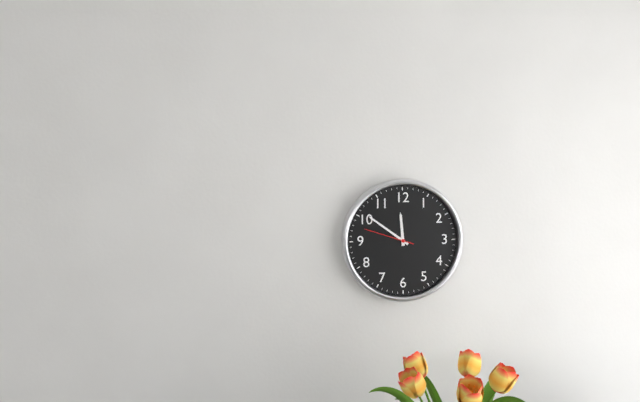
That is 11.51
